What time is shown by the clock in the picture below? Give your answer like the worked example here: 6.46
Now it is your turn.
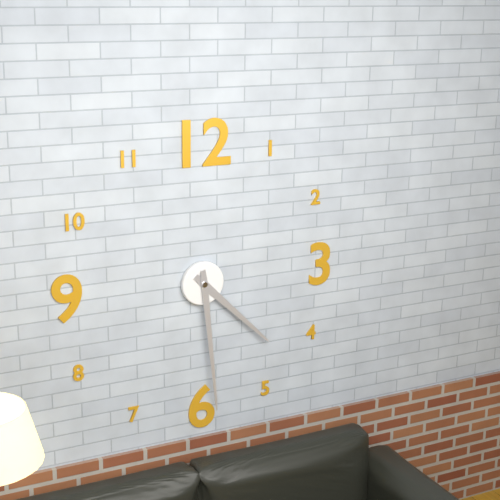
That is 4.29
